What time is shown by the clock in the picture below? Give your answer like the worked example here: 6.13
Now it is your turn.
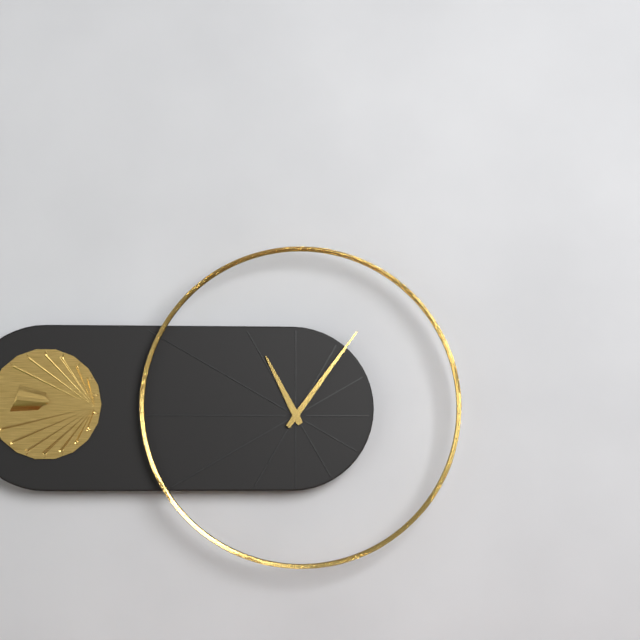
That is 11.06
